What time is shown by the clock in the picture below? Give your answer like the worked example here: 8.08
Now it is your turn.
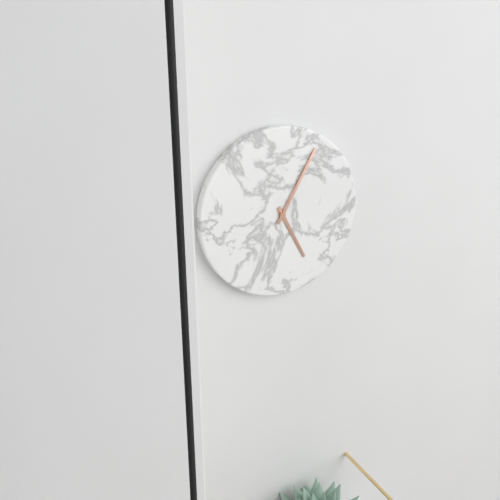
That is 5.05
